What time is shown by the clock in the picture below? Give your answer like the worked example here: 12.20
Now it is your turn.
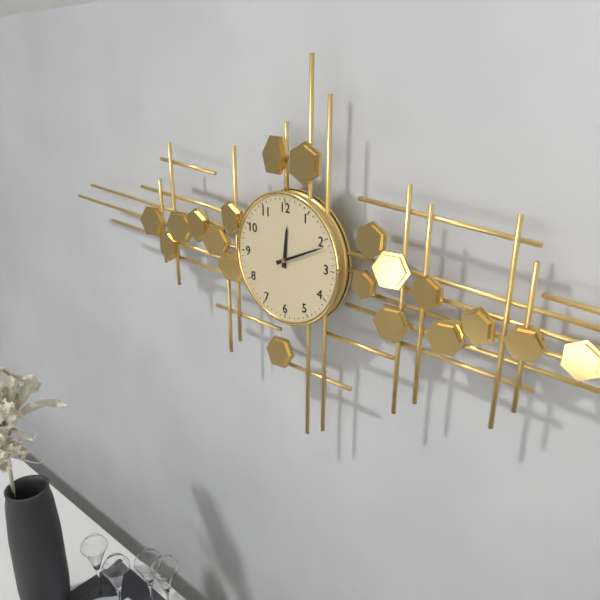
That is 12.11
